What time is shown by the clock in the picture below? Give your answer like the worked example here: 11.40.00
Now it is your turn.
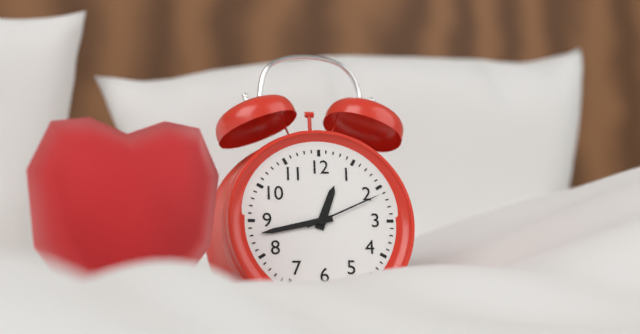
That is 12.43.11
